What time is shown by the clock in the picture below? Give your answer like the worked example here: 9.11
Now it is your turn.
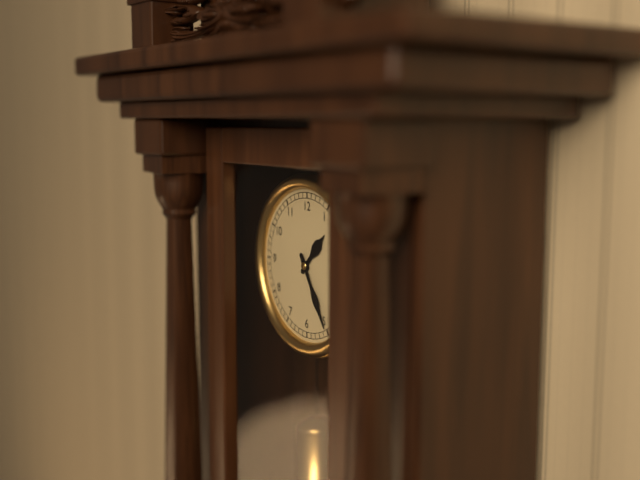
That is 1.25
